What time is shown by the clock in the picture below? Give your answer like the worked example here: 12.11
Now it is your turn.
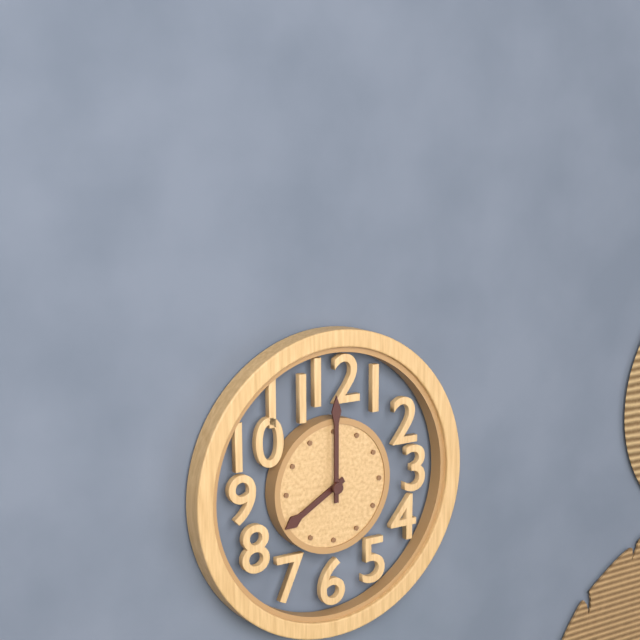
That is 8.00
